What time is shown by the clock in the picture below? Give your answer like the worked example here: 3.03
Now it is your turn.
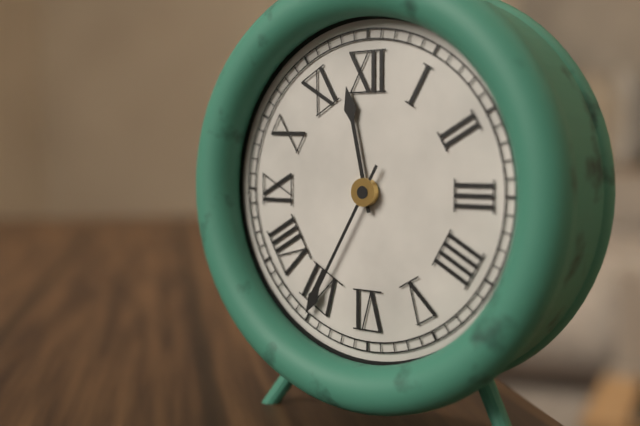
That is 11.35
